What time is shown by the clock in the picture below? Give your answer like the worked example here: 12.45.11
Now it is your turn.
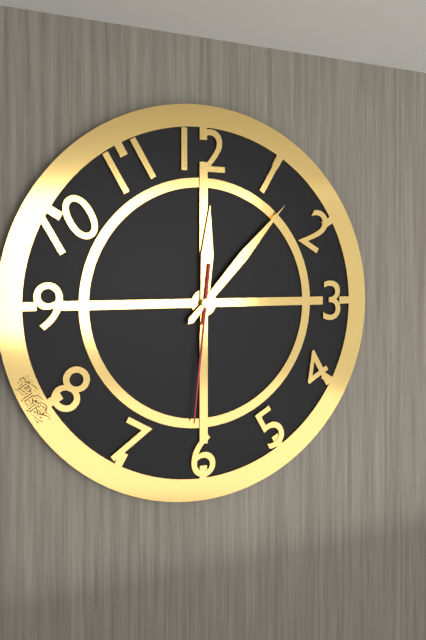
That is 12.07.31
